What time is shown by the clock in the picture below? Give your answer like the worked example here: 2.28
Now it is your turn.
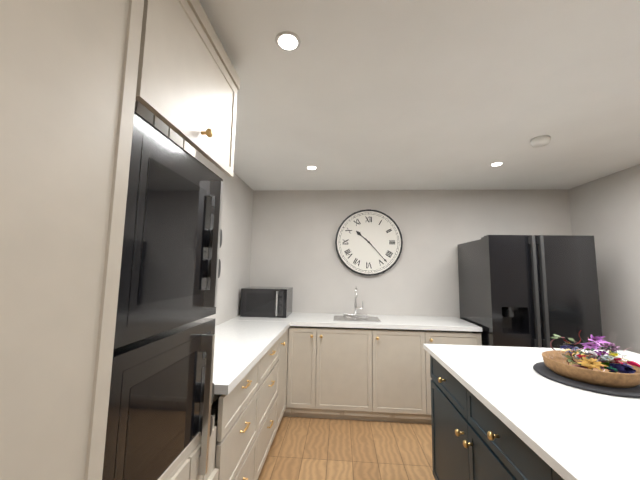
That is 10.23
